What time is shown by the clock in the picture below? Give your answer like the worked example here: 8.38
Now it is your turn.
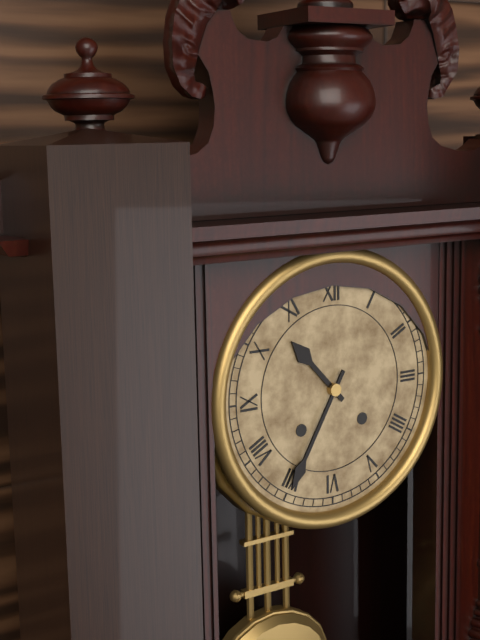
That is 10.35
